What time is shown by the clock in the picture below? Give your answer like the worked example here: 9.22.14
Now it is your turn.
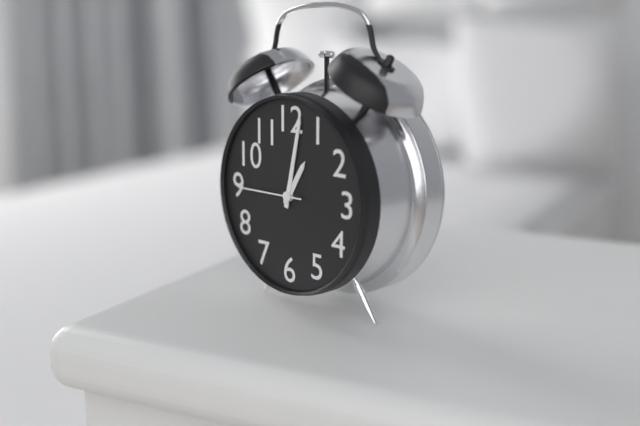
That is 1.02.45
